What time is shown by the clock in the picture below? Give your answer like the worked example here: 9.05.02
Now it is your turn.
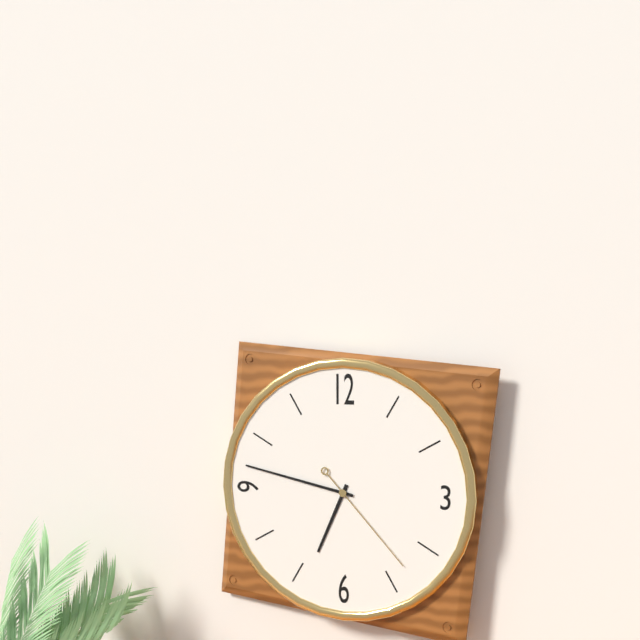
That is 6.47.23
